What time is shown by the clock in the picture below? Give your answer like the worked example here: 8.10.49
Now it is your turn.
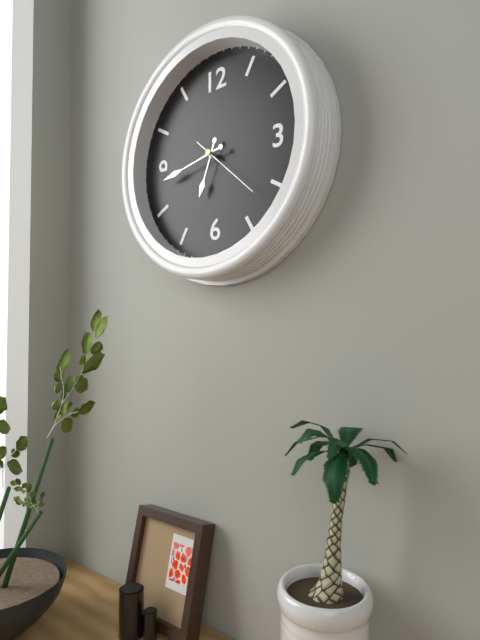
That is 6.43.22
